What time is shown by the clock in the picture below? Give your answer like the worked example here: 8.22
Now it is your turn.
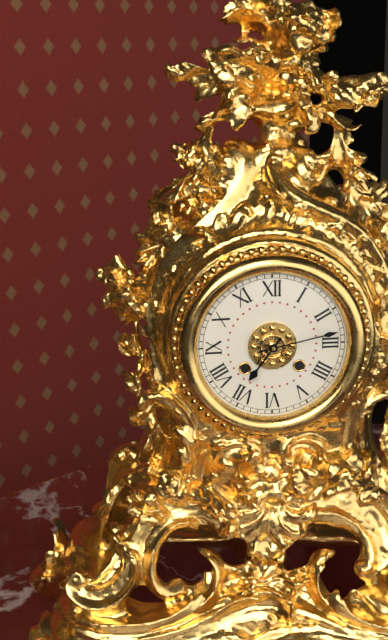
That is 7.13
